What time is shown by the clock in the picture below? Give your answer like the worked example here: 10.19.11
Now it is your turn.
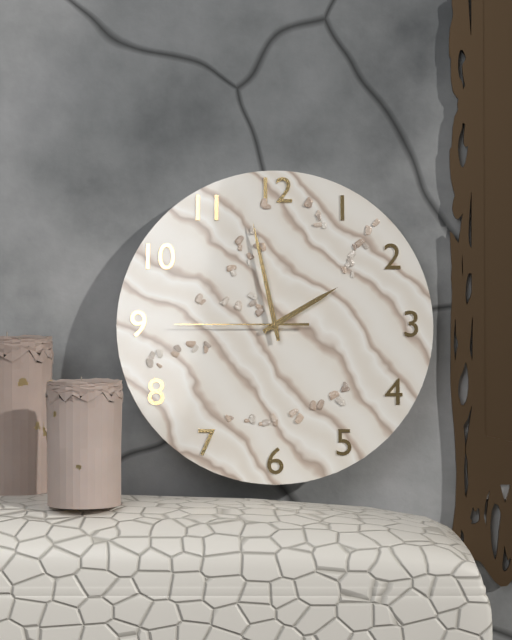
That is 1.58.45
